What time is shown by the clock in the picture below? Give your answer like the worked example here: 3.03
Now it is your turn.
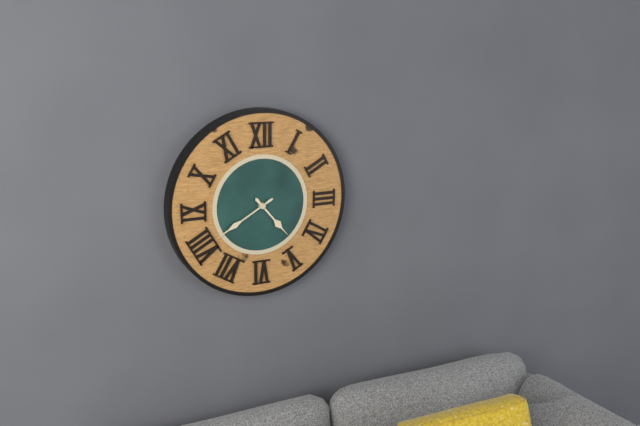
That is 4.40
